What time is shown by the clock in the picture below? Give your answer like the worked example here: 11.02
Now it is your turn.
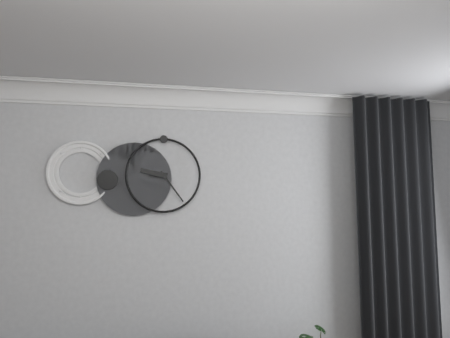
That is 9.24
